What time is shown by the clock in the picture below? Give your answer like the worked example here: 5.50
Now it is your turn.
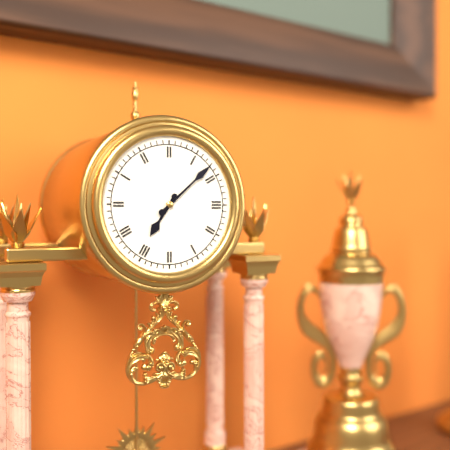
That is 7.08
